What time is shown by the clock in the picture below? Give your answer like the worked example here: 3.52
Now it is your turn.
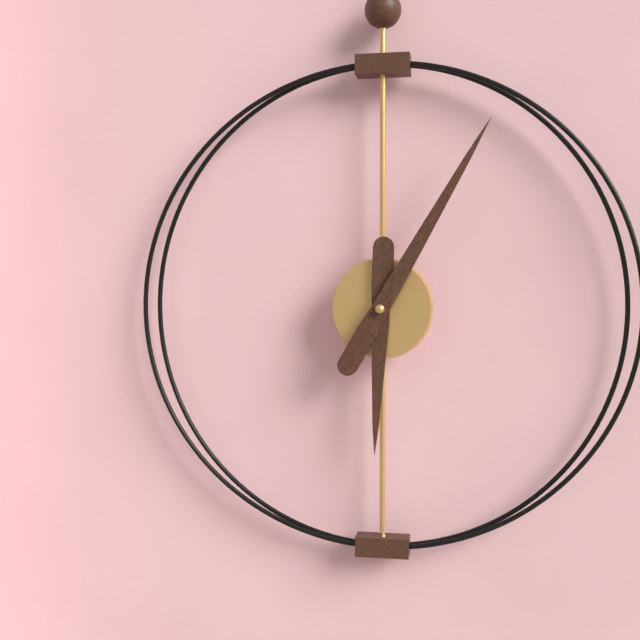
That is 6.05
